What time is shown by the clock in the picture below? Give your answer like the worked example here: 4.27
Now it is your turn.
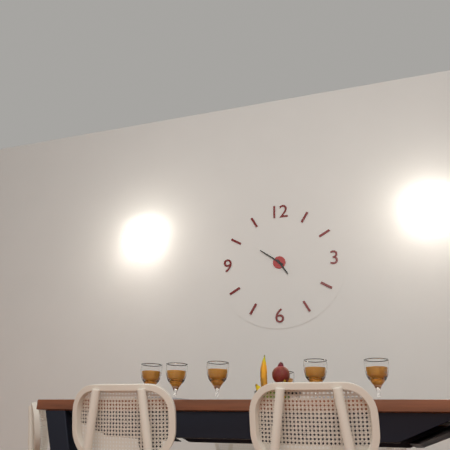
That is 4.51
